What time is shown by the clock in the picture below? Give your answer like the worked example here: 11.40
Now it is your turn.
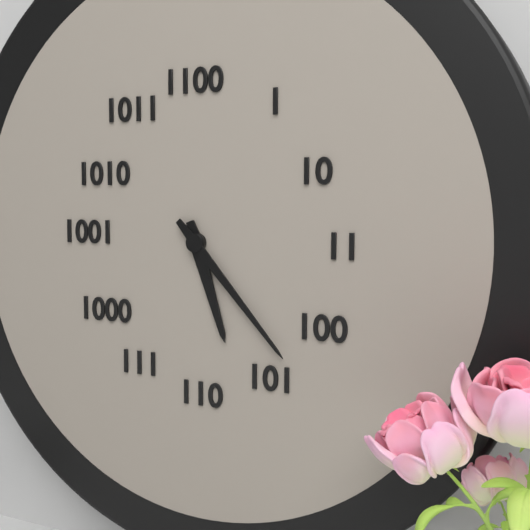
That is 5.23
